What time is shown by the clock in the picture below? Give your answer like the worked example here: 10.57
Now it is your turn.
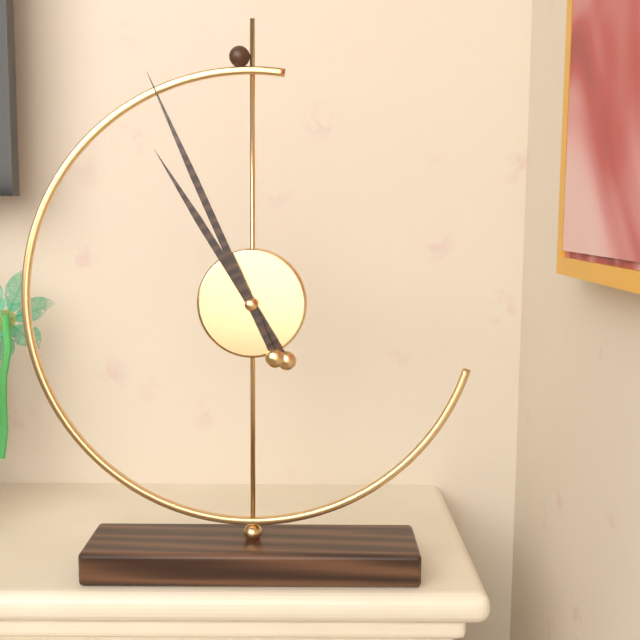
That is 10.56
